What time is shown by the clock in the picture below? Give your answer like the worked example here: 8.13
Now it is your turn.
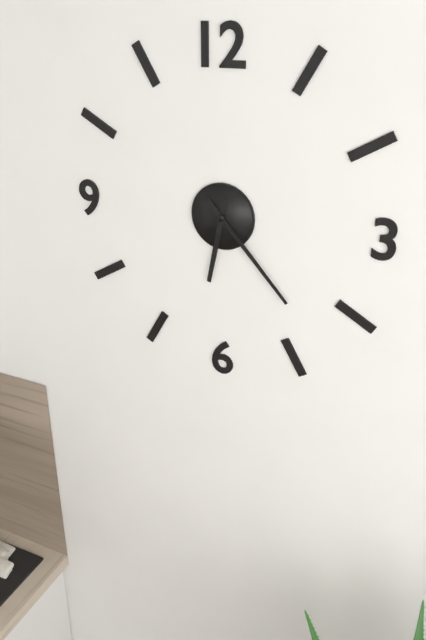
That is 6.23
